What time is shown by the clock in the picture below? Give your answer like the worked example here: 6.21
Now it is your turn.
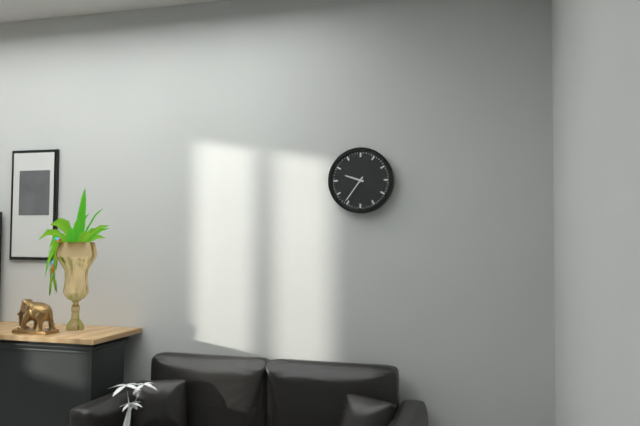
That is 9.36
